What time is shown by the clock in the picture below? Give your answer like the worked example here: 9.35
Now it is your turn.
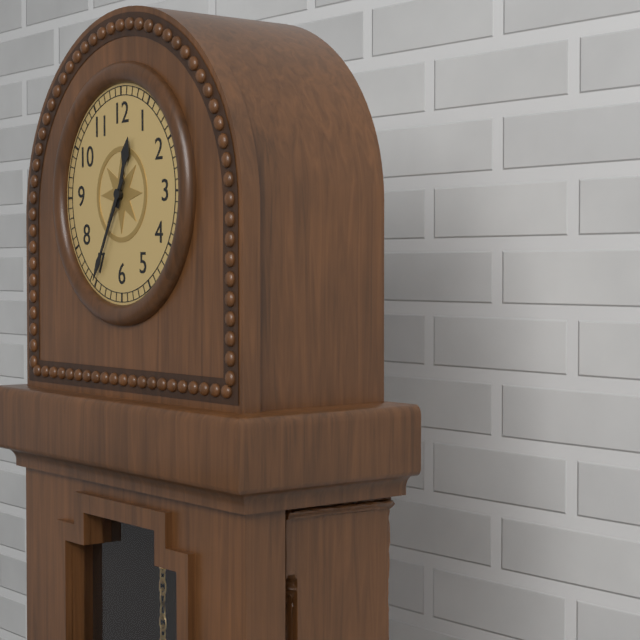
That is 12.35
